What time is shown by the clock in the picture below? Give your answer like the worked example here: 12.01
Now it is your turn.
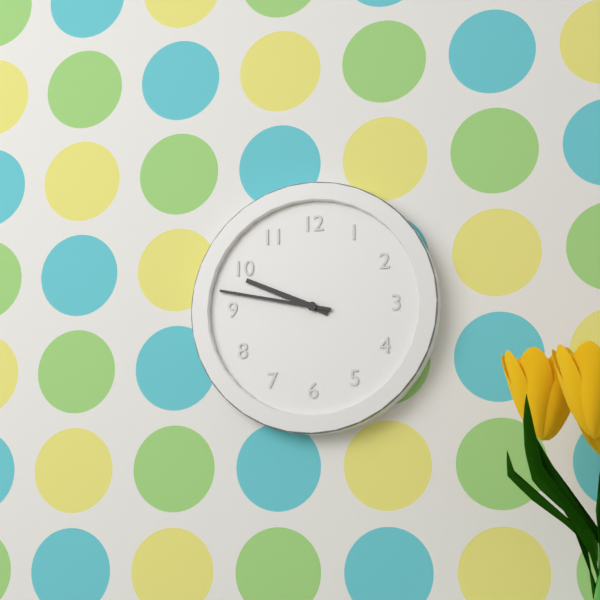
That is 9.47
